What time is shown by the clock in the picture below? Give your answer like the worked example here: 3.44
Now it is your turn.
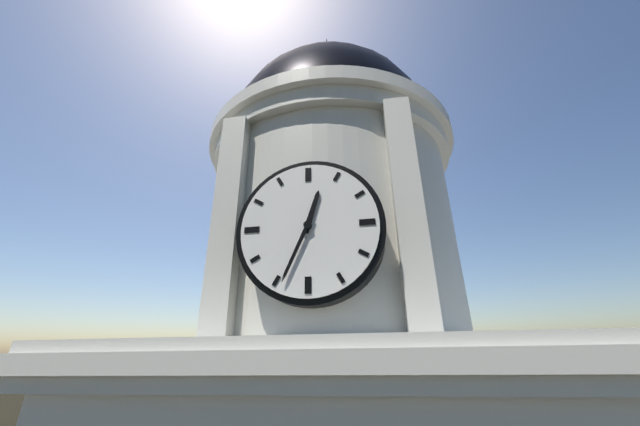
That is 12.34
